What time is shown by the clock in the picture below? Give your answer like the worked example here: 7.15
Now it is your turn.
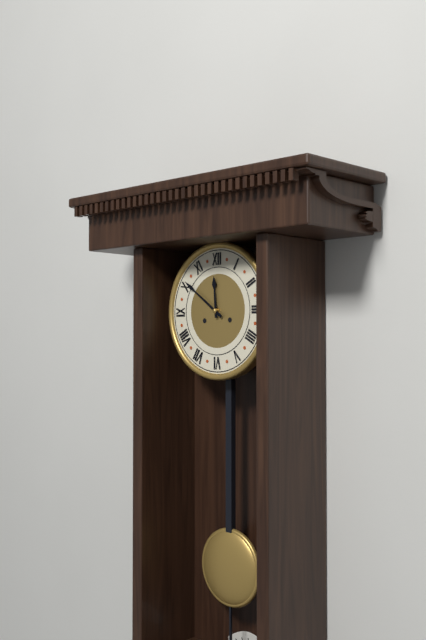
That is 11.51
